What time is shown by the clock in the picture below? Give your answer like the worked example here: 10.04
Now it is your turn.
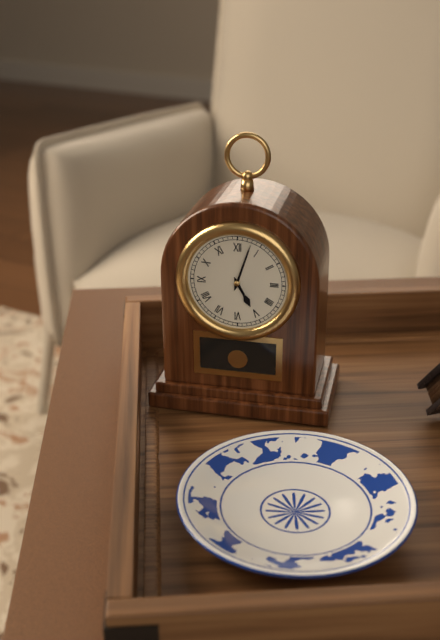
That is 5.03
